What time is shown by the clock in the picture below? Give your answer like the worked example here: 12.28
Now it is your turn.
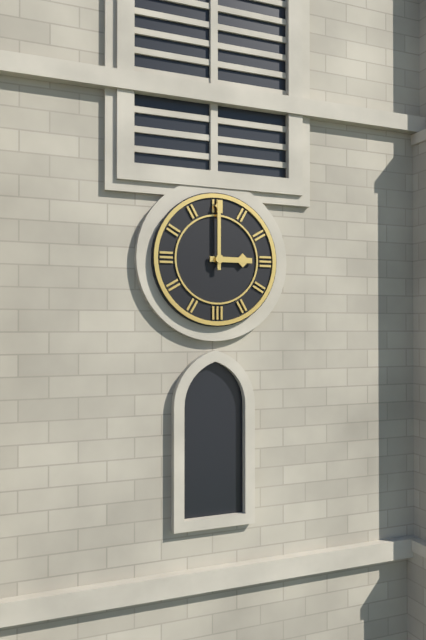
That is 3.00
